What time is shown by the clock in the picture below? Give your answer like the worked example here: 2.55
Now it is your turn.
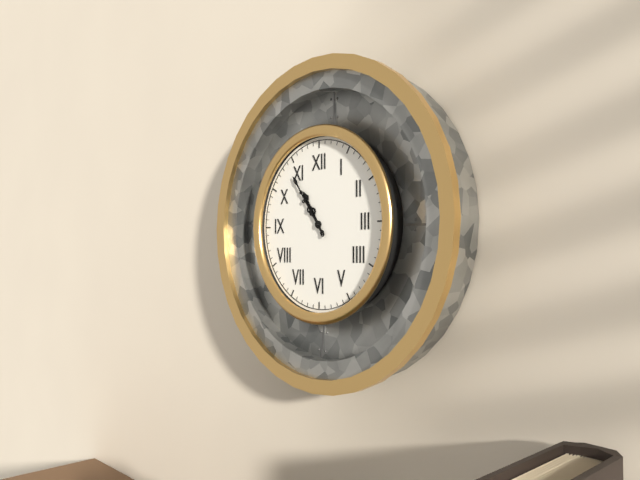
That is 10.54
